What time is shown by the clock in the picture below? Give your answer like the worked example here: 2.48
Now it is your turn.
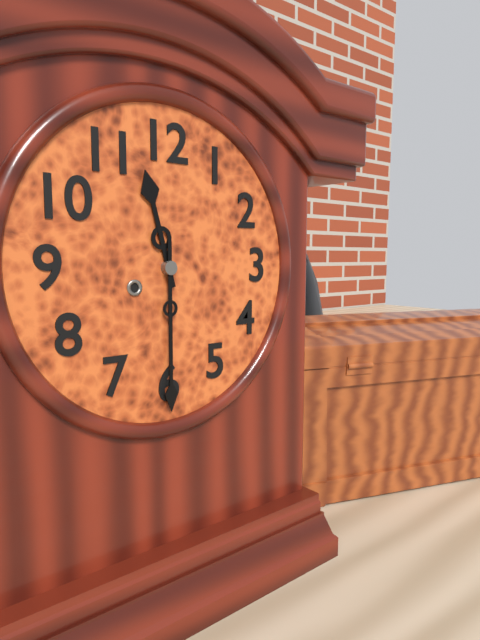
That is 11.30
